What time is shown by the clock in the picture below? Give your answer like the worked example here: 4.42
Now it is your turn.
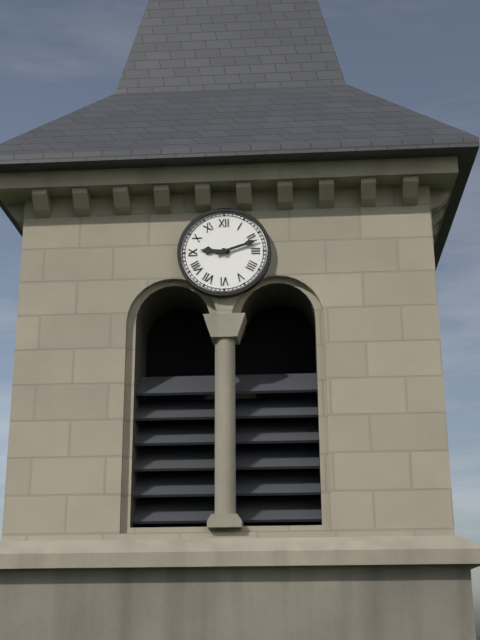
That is 9.12
